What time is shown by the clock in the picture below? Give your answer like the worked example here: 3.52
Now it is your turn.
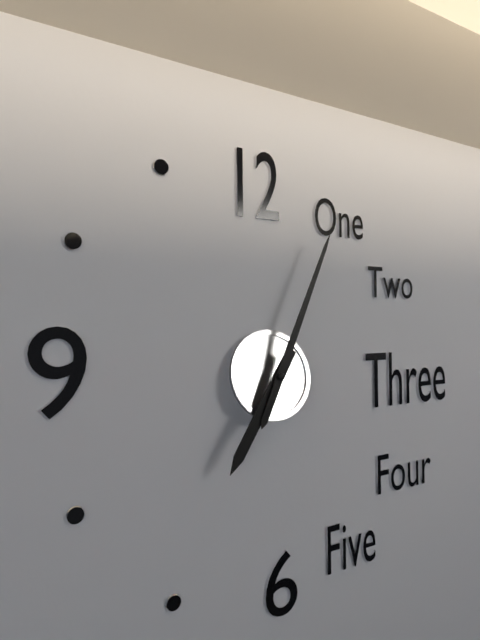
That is 7.04
